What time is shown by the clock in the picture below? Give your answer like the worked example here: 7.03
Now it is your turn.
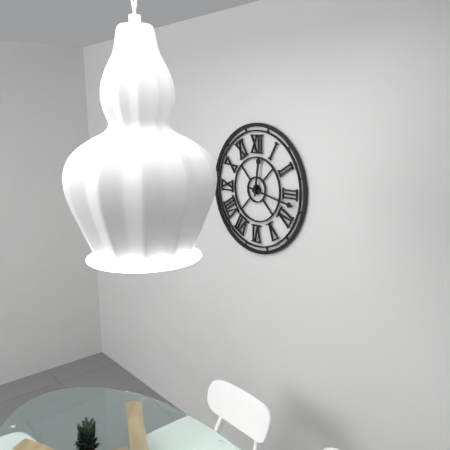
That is 12.17
